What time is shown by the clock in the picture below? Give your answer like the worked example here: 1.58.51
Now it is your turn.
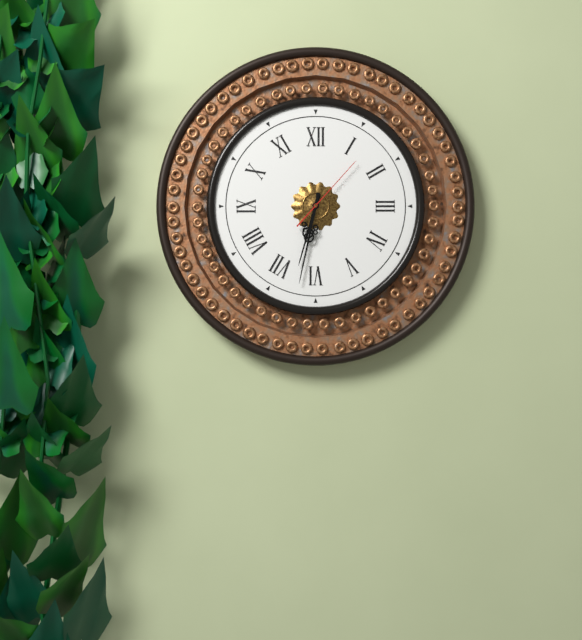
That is 6.32.07
